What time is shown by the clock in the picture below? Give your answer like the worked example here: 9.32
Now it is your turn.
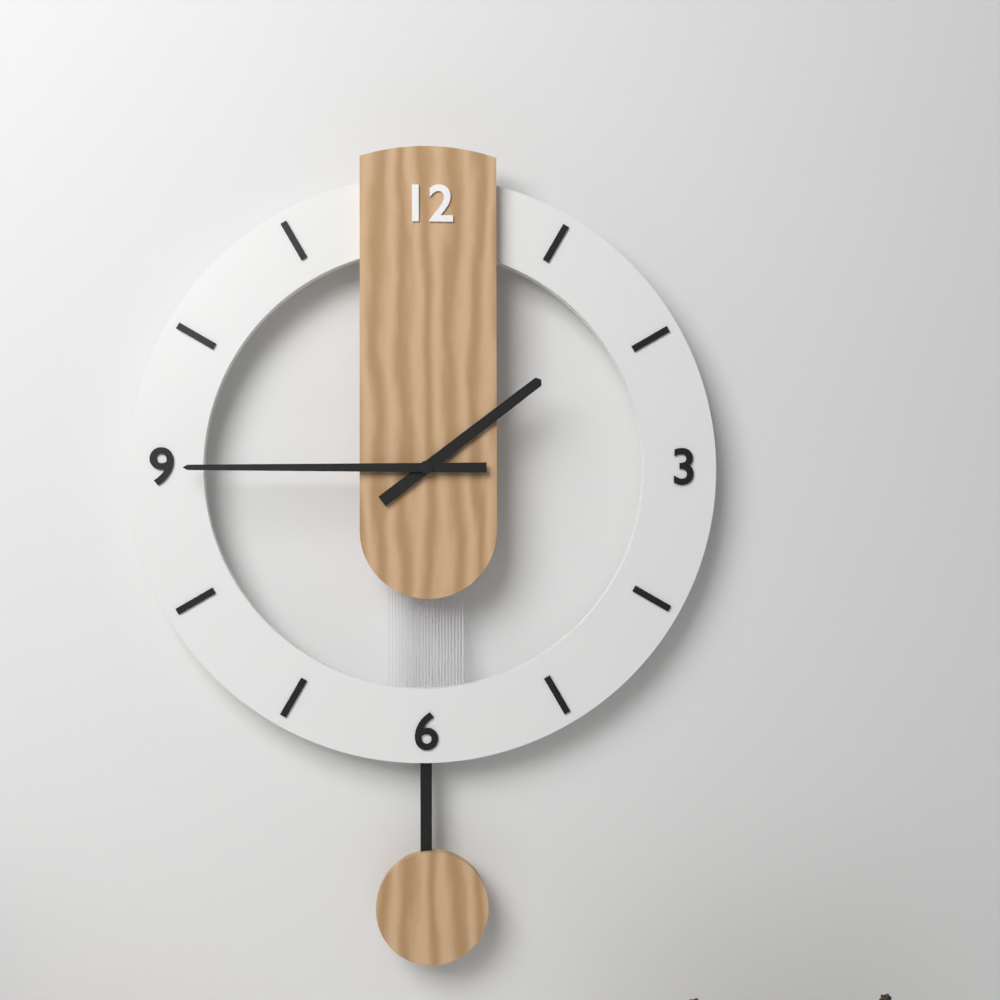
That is 1.45
